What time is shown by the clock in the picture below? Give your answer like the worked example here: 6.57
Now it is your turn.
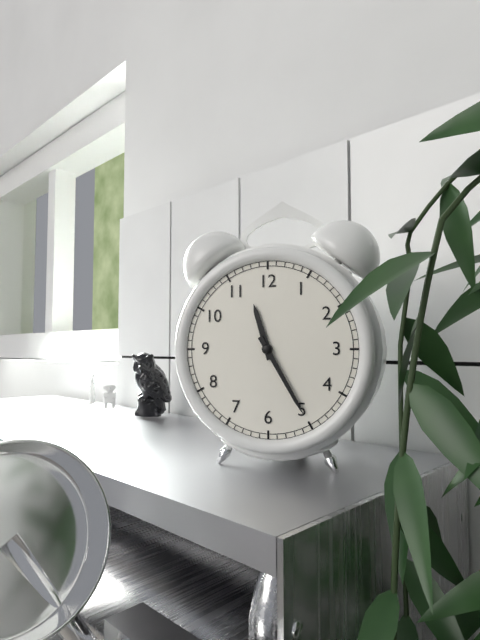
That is 11.25
